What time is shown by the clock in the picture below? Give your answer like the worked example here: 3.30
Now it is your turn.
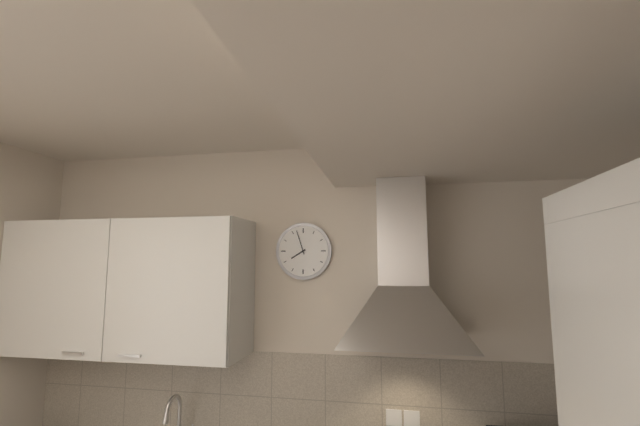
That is 7.57
